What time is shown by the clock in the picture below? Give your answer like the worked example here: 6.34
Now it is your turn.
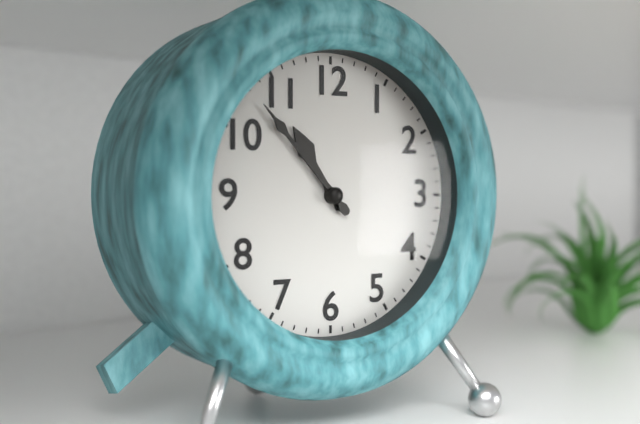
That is 10.53
